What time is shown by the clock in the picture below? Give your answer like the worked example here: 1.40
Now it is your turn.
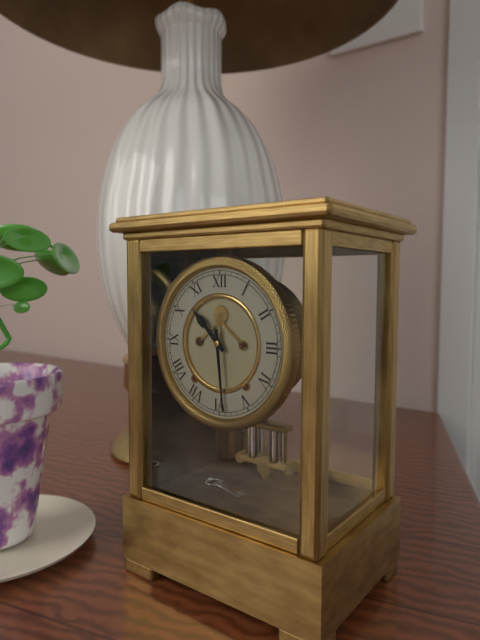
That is 10.29
